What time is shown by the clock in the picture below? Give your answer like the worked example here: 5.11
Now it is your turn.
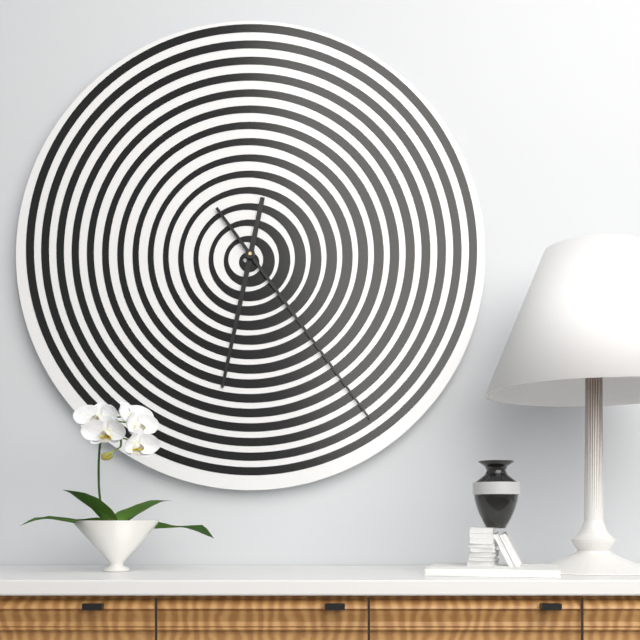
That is 6.24
